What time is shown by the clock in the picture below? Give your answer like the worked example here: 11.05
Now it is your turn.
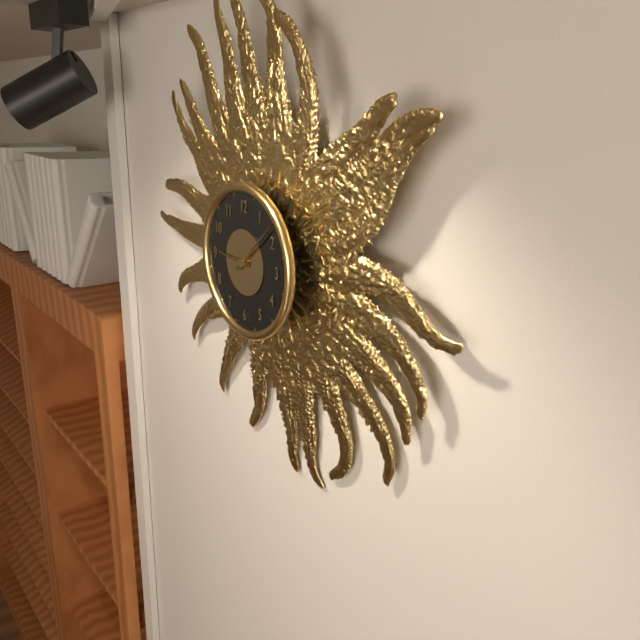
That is 9.08
